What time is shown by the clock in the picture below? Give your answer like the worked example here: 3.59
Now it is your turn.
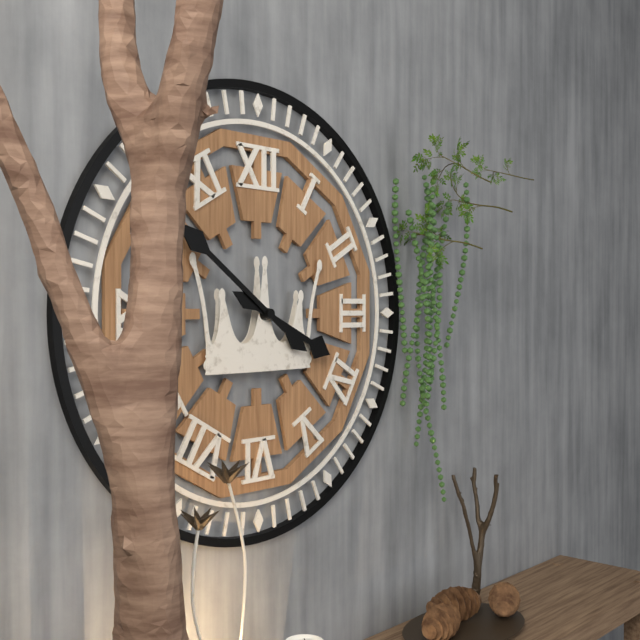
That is 3.51
